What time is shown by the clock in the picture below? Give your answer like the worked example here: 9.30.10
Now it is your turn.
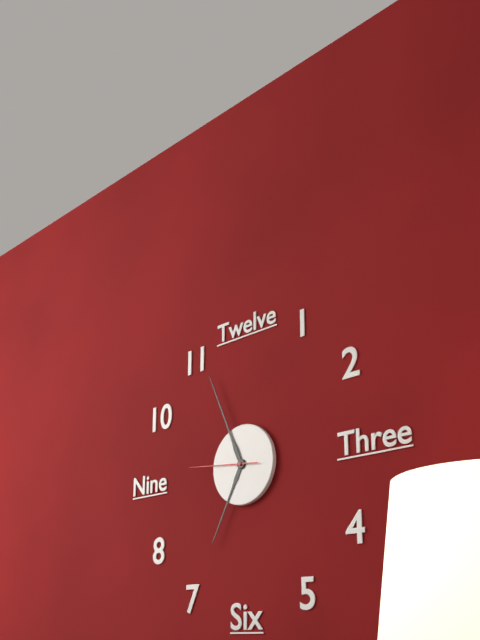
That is 6.56.46
